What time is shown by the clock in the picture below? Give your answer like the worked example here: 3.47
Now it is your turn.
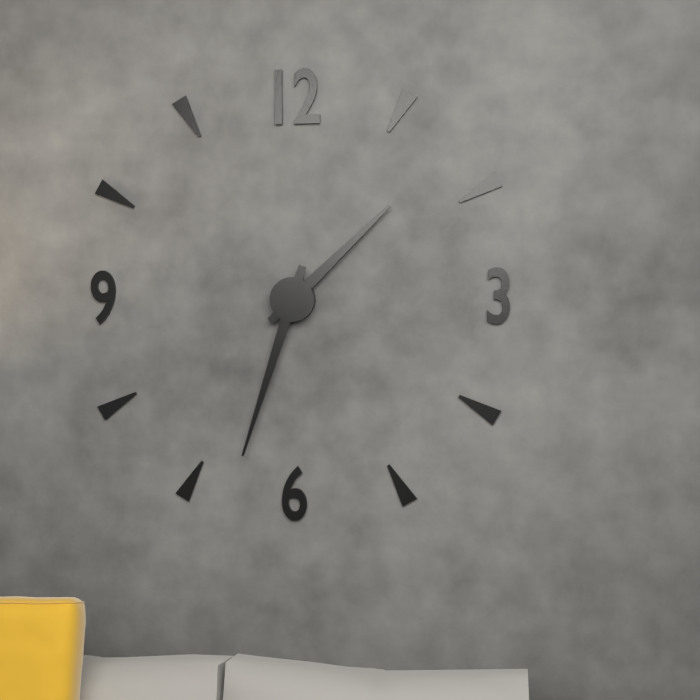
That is 1.33
